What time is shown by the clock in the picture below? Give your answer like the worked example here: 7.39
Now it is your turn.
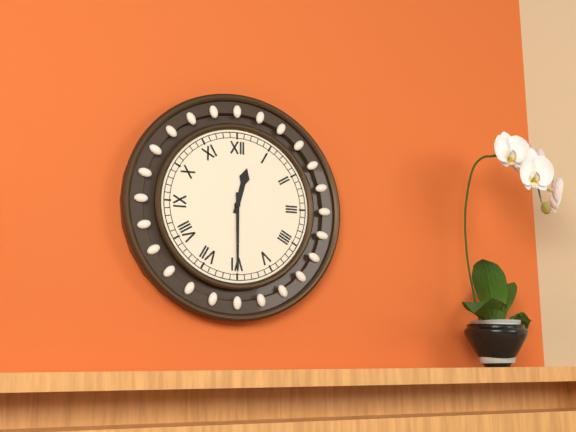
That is 12.30
